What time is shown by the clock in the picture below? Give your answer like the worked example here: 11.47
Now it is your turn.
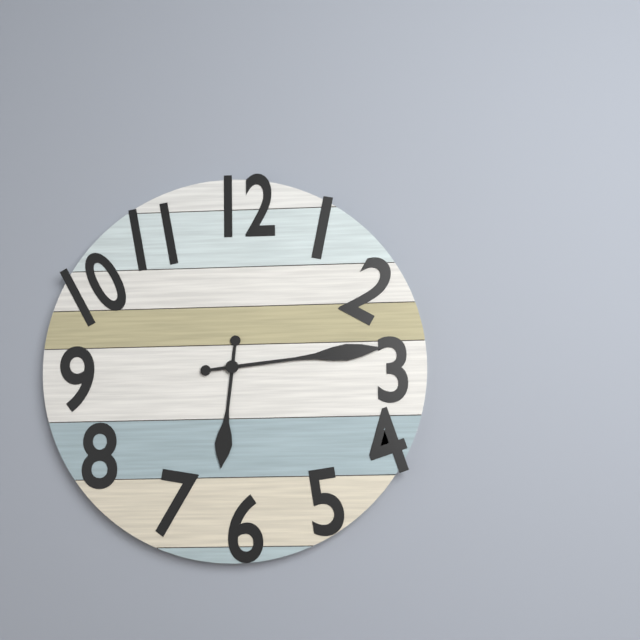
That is 6.14
